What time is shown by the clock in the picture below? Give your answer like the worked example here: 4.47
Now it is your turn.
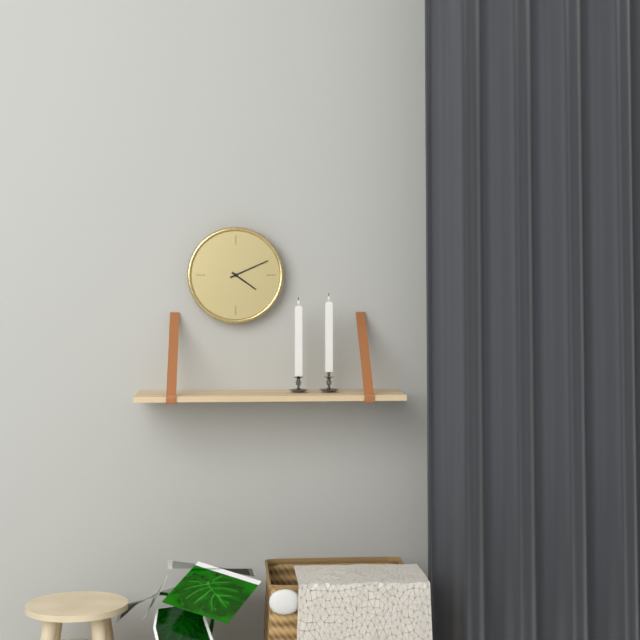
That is 4.11
